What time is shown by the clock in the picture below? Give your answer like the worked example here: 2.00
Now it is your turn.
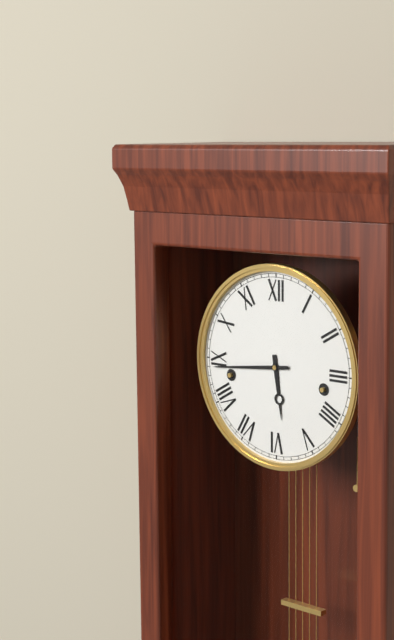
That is 5.44
